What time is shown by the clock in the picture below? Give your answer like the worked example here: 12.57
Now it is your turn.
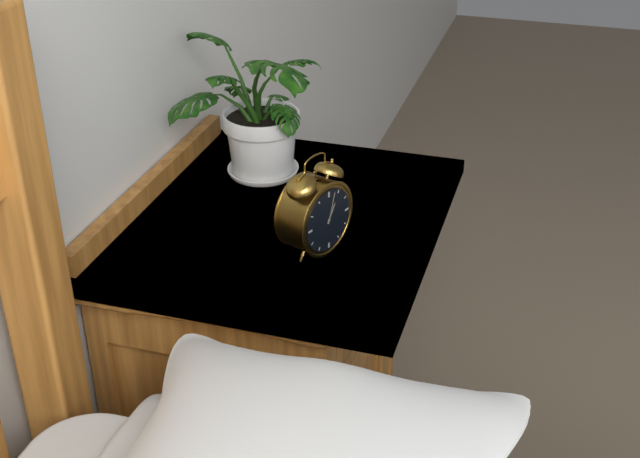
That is 1.03
